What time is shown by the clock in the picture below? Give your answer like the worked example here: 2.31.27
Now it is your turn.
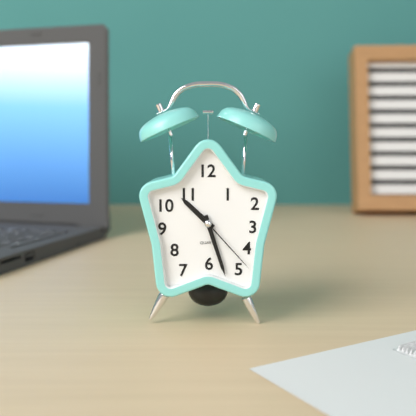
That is 10.27.23
